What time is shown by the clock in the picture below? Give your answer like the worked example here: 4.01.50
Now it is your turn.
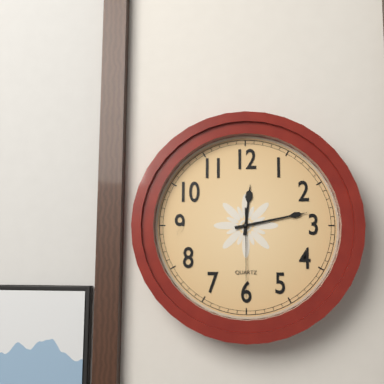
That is 12.13.30
